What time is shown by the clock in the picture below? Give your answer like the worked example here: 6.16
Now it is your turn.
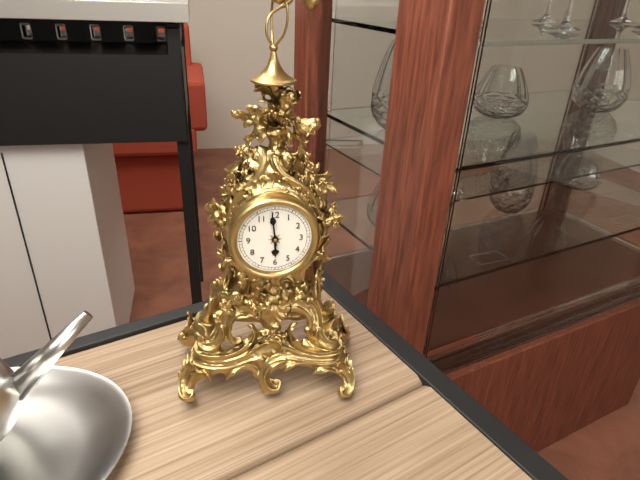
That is 5.59
